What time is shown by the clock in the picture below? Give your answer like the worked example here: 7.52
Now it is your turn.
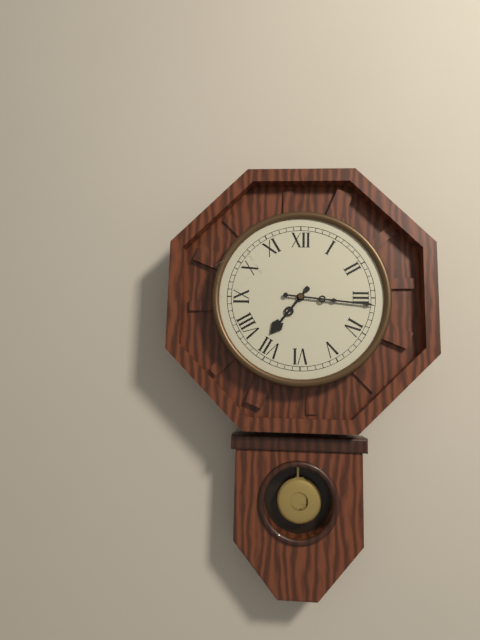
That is 7.16
